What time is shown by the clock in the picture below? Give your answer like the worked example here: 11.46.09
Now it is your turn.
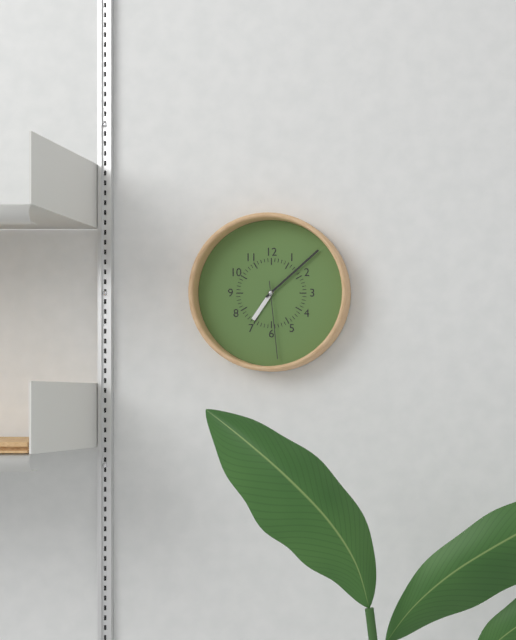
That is 7.08.29
